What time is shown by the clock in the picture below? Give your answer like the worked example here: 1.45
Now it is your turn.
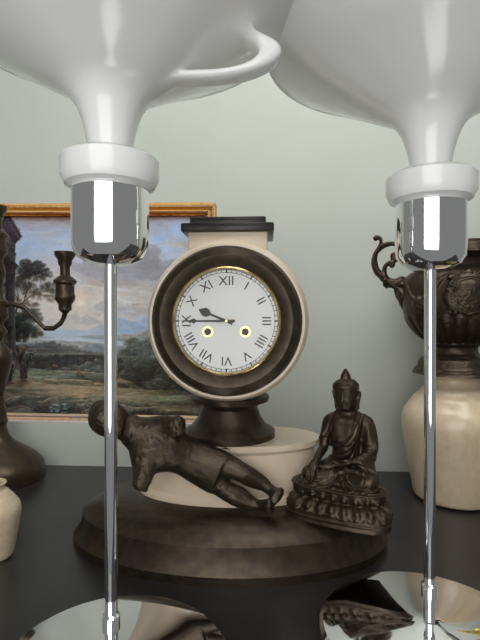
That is 9.45
